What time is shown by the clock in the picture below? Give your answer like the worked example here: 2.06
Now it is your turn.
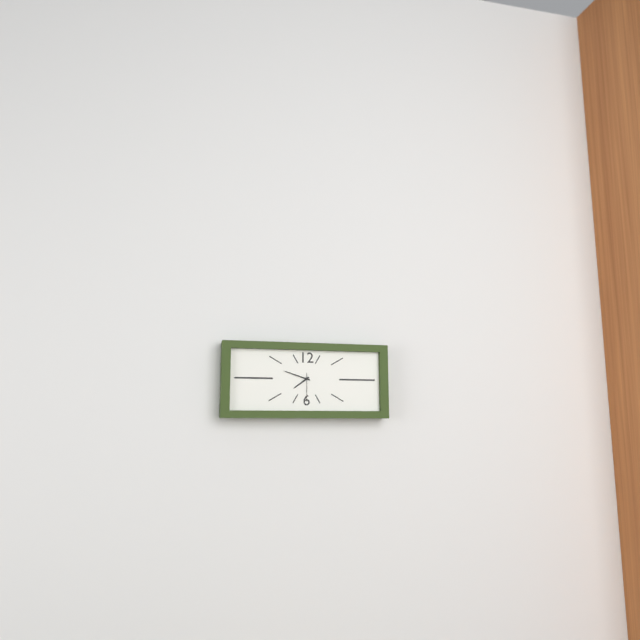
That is 7.48
